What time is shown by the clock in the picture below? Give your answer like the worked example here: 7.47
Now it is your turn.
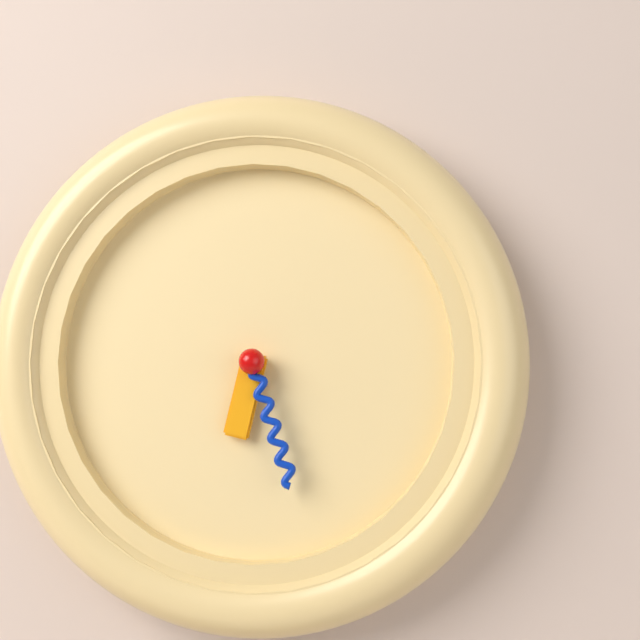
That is 6.27
